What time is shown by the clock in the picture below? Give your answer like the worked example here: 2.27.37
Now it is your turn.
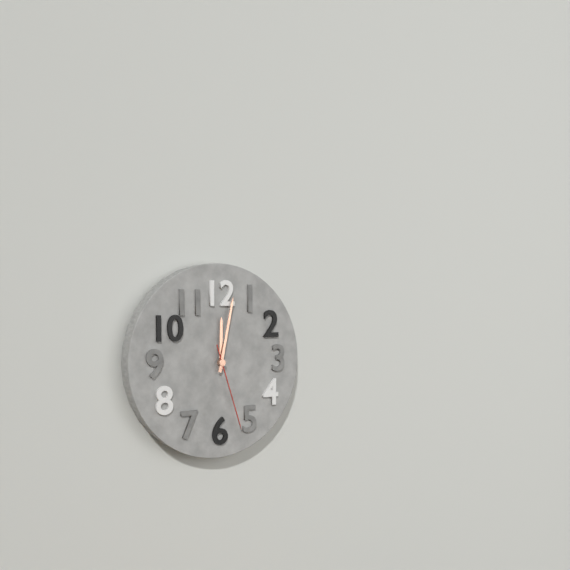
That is 12.02.27
